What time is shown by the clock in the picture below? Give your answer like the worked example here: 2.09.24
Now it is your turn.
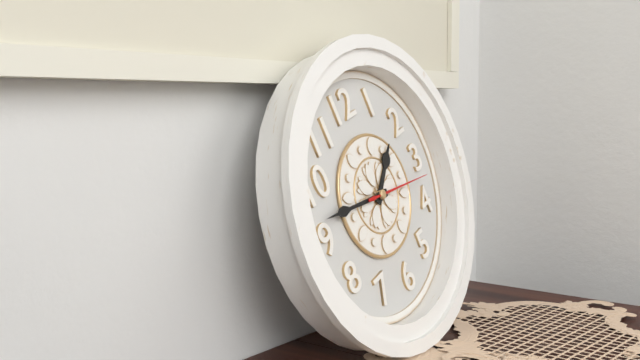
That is 1.47.17
